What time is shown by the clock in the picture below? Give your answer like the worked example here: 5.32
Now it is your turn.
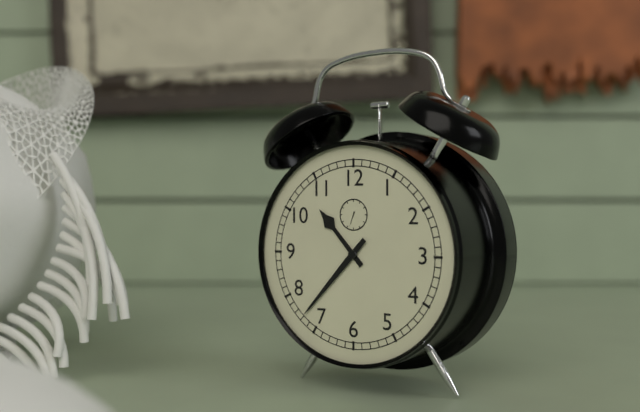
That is 10.37
